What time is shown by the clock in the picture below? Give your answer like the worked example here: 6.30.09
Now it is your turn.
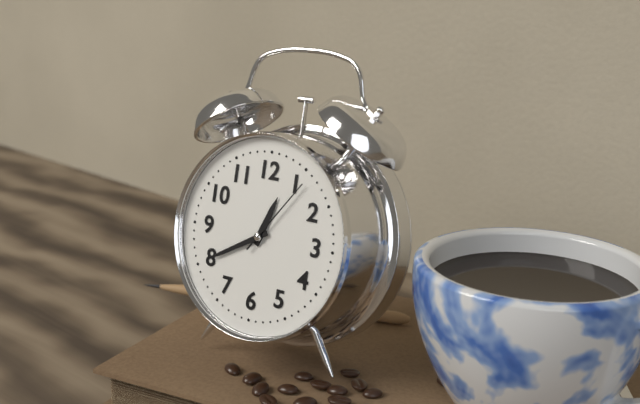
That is 12.40.06
